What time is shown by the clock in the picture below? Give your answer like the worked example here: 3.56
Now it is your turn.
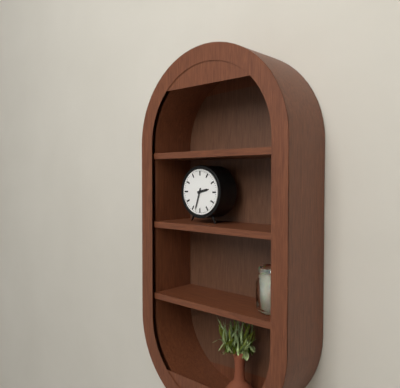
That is 2.33
